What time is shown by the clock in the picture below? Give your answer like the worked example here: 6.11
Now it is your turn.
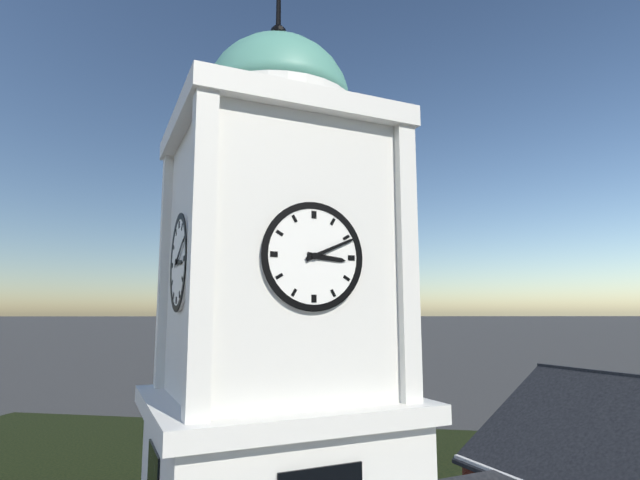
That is 3.11
